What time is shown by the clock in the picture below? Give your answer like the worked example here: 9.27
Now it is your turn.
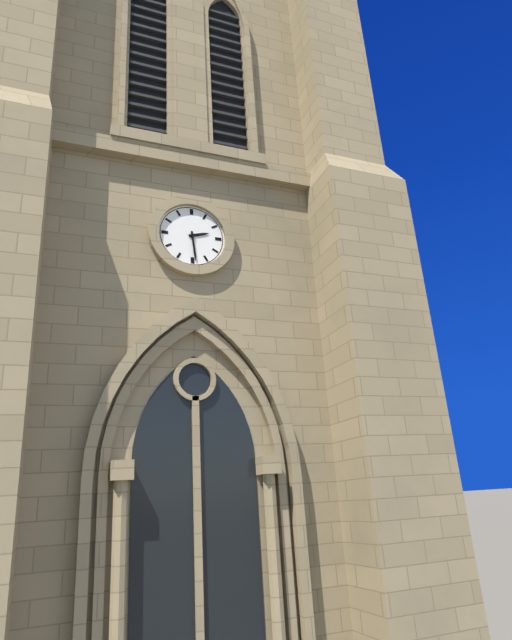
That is 2.29
